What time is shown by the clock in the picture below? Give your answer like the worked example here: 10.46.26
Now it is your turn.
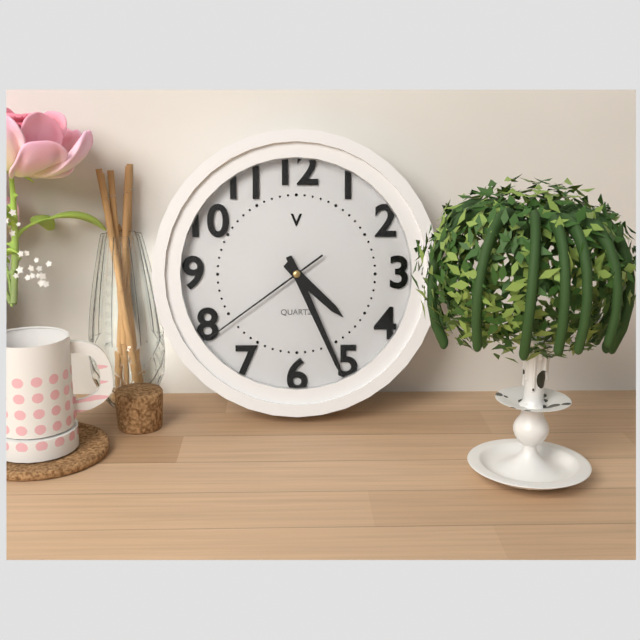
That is 4.26.39
